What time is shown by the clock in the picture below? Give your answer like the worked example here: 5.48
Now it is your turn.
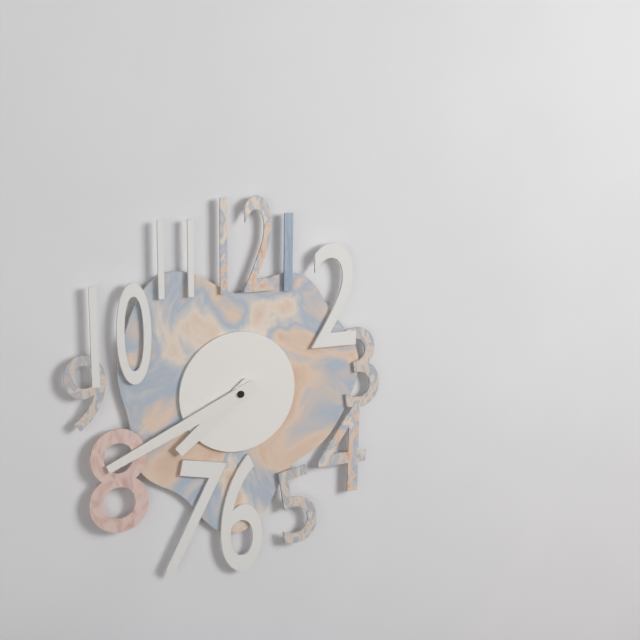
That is 7.41
